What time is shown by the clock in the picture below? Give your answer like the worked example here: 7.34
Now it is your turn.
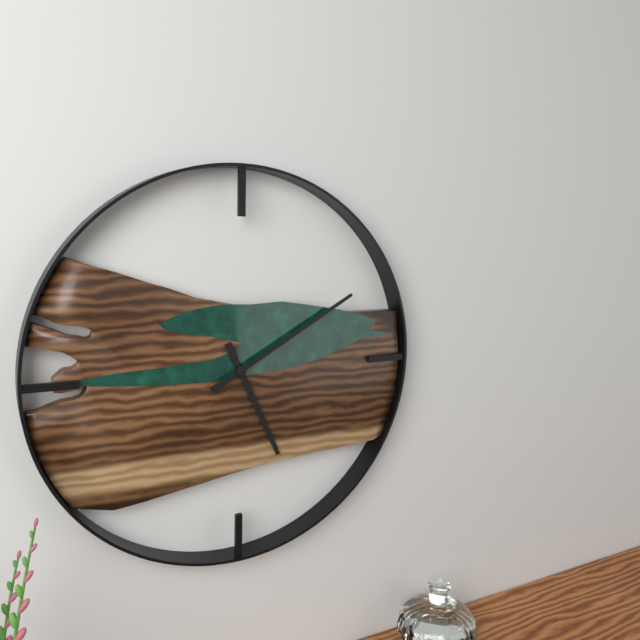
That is 5.10
